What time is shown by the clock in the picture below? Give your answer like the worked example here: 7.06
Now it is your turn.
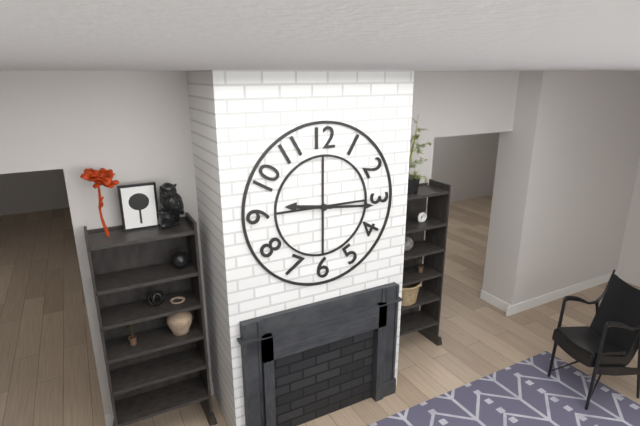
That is 9.16
